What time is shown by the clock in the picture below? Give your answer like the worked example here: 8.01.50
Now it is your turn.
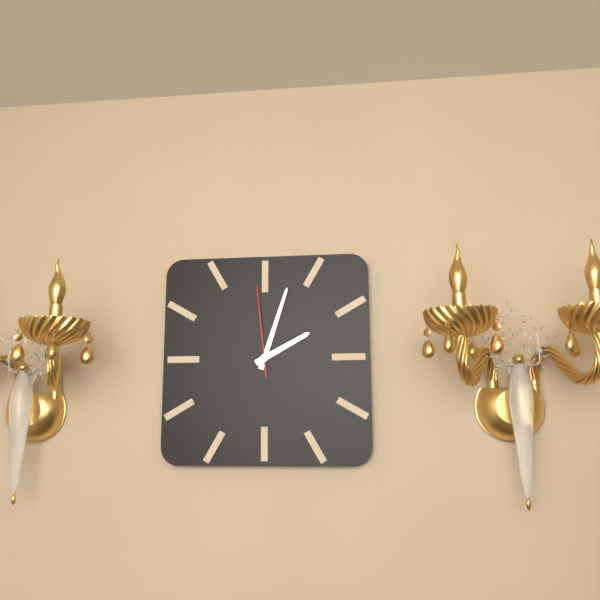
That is 2.03.59
